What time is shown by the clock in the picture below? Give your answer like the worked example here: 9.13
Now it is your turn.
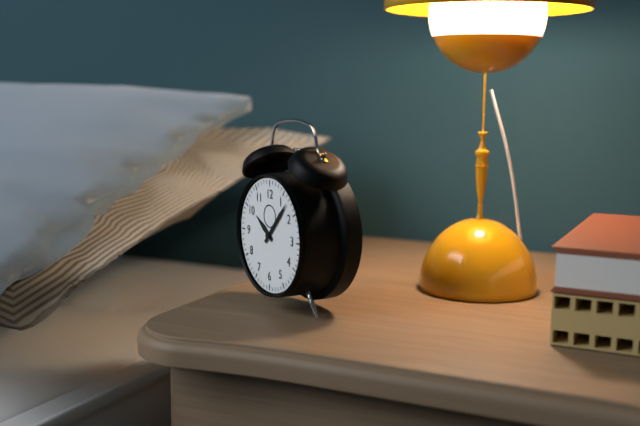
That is 10.07
